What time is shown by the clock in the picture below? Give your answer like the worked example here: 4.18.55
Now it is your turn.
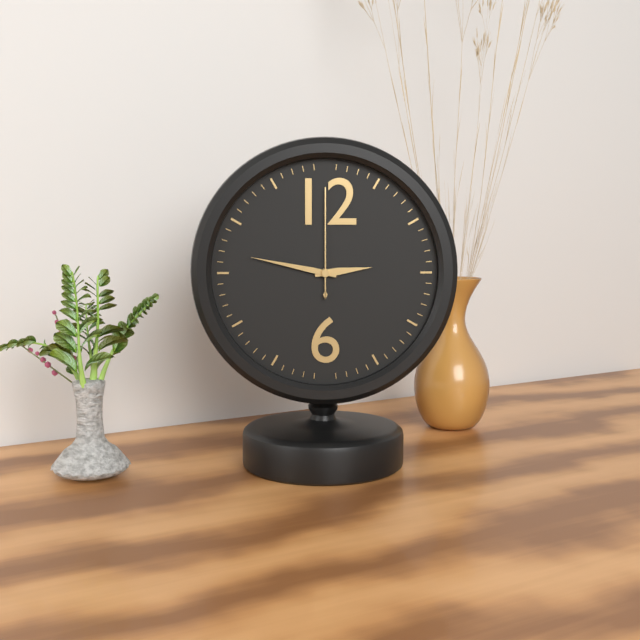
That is 2.47.00
